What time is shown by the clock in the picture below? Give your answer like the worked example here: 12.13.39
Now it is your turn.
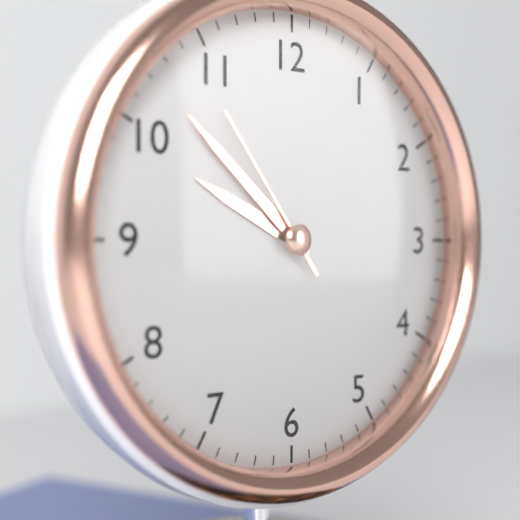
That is 9.52.54
